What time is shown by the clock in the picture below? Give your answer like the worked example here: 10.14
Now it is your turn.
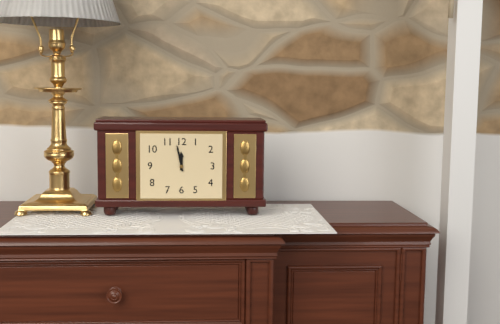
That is 11.58
